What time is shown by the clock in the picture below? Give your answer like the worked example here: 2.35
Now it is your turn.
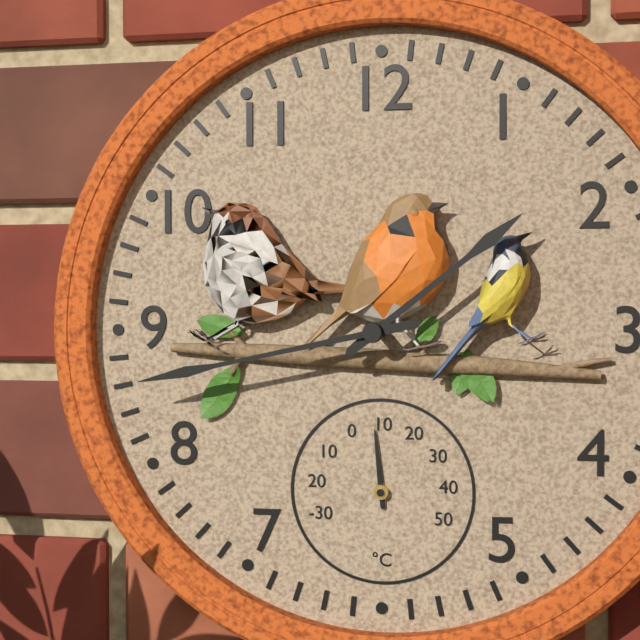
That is 1.43
